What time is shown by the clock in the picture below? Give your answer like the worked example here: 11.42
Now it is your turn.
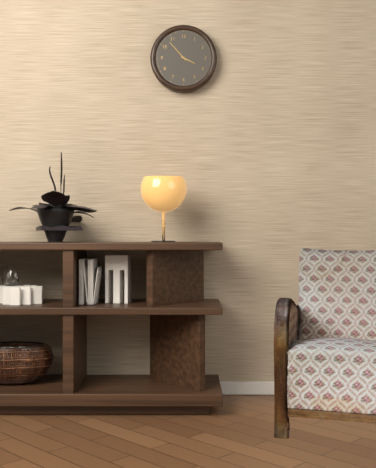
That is 3.53
